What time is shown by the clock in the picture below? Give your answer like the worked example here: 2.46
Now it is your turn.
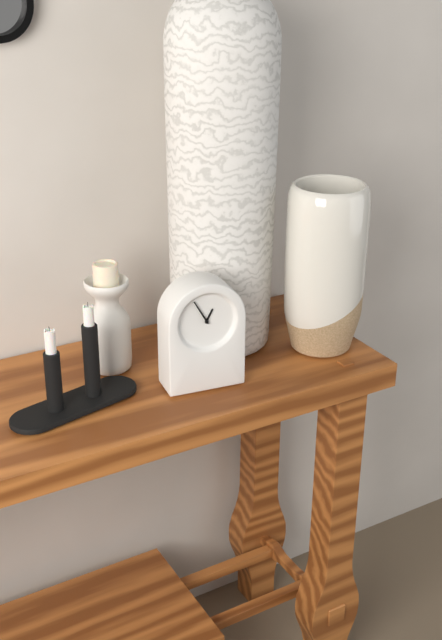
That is 12.55
